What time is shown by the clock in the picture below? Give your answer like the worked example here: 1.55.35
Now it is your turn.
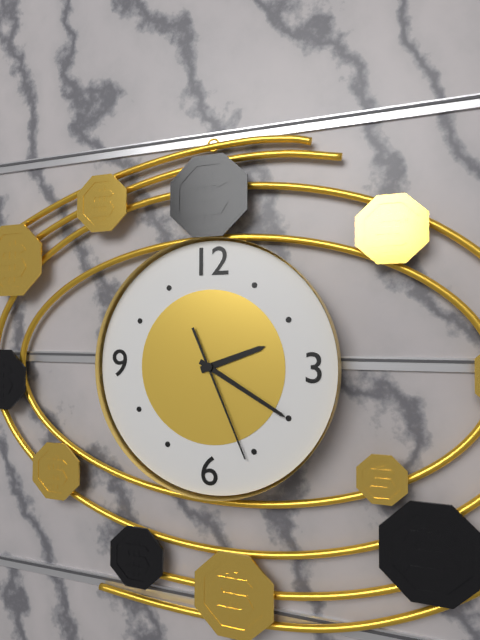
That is 2.20.26
